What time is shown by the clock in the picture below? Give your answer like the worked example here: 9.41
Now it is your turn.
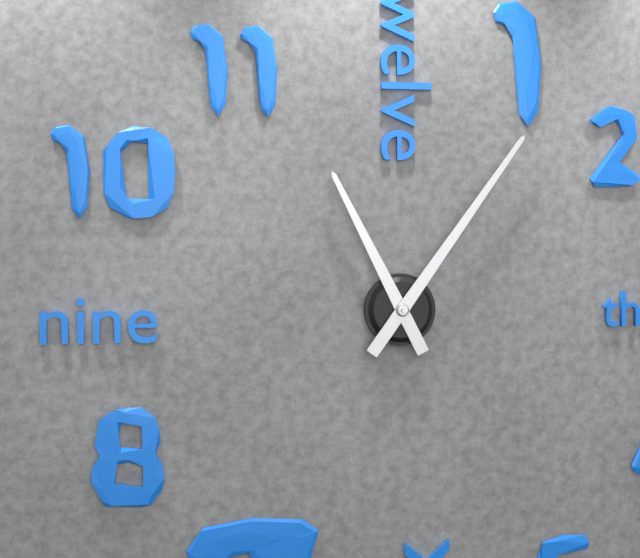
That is 11.06
